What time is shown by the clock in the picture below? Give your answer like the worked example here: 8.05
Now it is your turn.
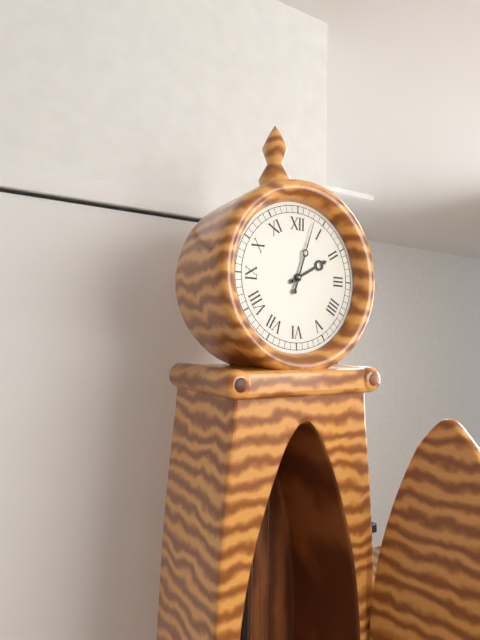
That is 2.03
